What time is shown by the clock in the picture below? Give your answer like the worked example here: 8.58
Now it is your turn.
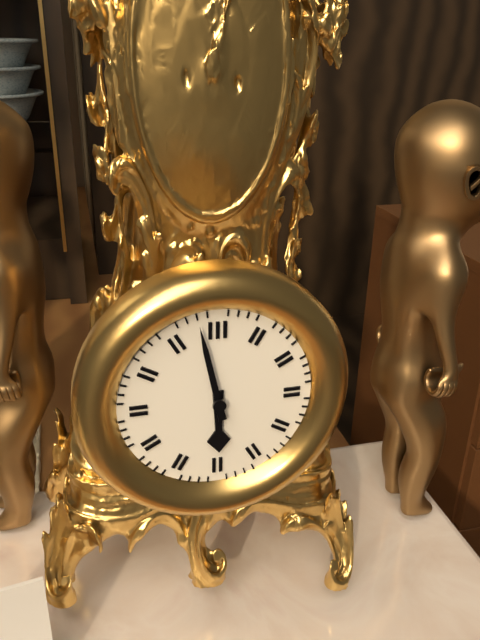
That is 5.58
